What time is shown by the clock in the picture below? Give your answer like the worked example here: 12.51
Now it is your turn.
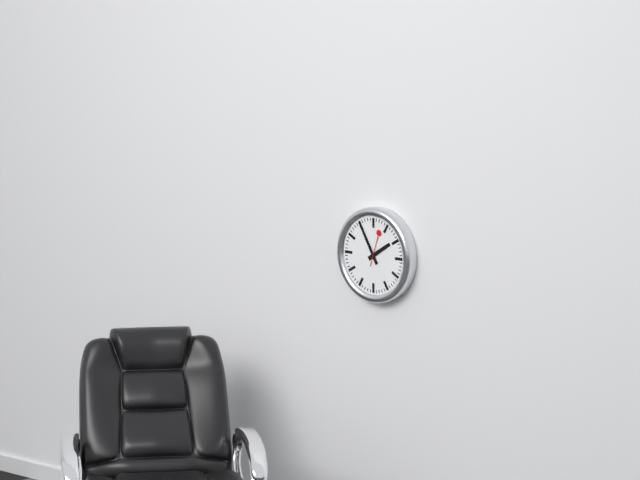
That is 1.55
